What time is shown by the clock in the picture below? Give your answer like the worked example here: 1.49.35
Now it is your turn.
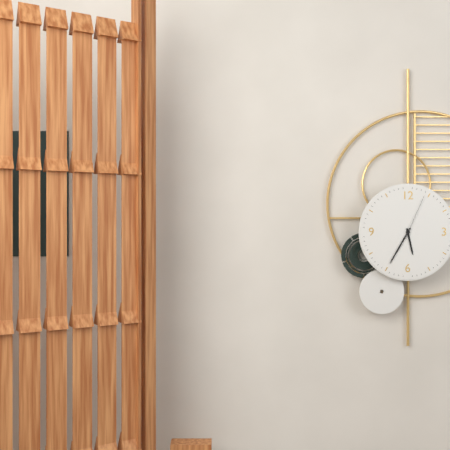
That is 5.35.04
